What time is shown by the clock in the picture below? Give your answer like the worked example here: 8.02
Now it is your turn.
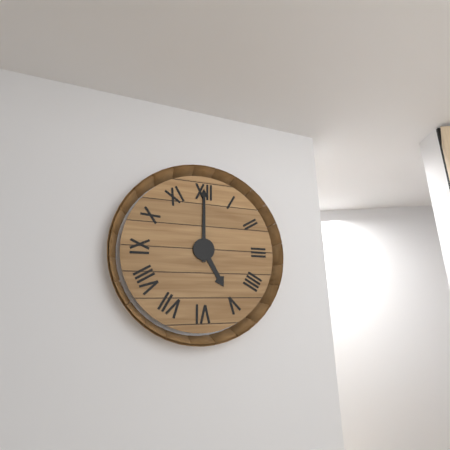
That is 5.00
